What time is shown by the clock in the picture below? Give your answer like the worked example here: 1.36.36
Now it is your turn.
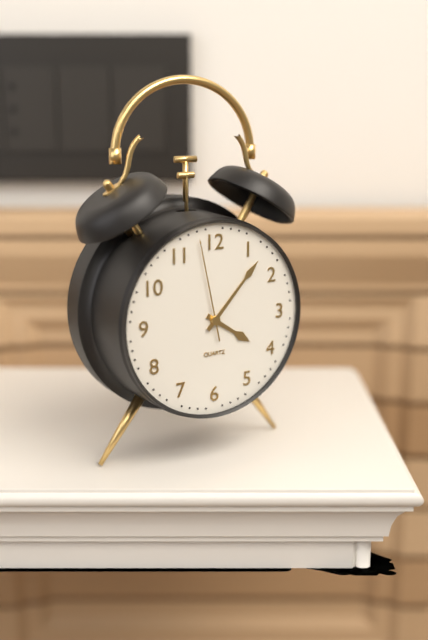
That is 4.07.58
